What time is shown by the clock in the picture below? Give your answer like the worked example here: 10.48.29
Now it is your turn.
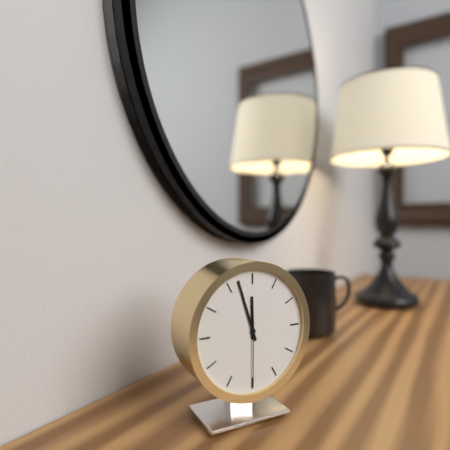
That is 11.57.30
